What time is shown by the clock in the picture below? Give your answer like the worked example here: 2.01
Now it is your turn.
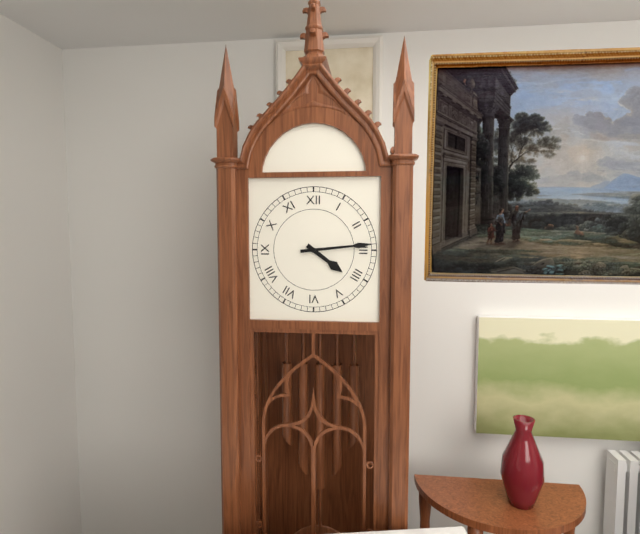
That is 4.14
